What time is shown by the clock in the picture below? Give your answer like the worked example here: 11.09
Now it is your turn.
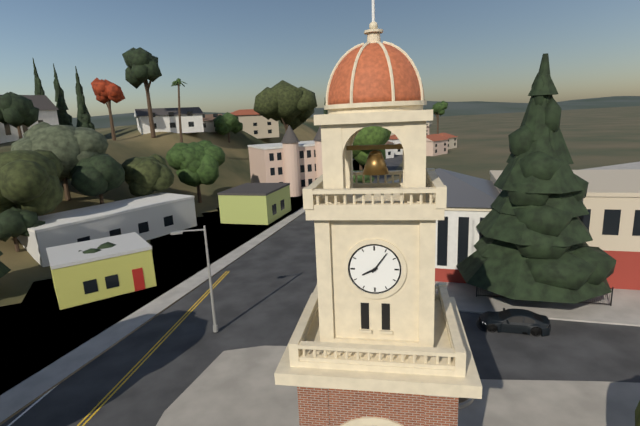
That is 8.06
